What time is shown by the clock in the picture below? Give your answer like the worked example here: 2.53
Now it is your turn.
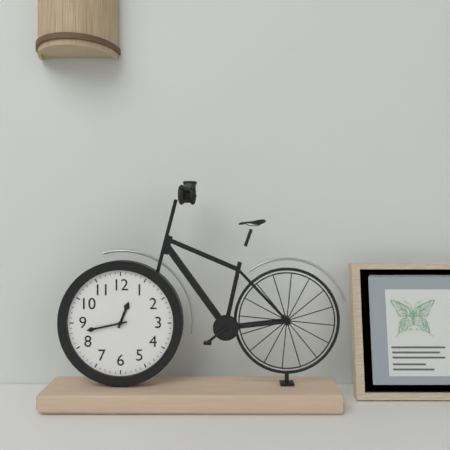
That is 12.43
